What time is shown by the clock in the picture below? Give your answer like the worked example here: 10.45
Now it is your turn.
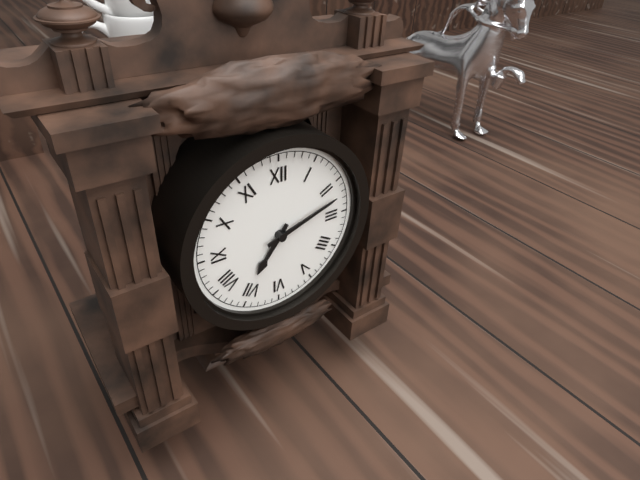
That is 7.12
